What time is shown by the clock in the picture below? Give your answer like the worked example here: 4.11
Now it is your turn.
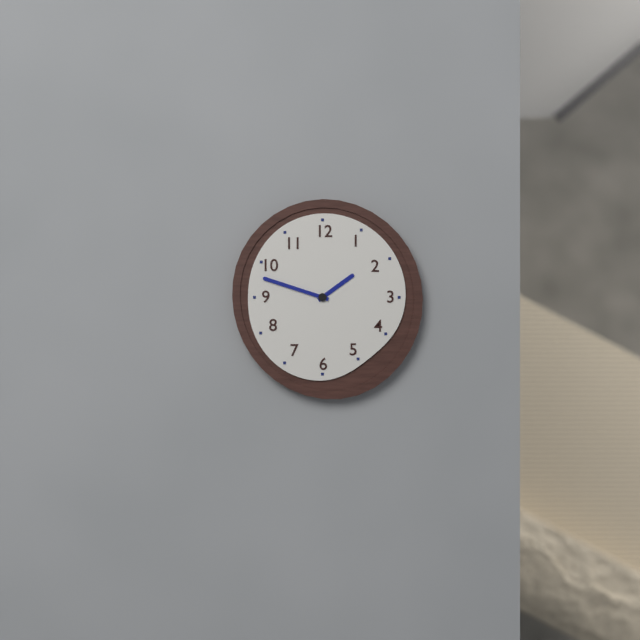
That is 1.48
